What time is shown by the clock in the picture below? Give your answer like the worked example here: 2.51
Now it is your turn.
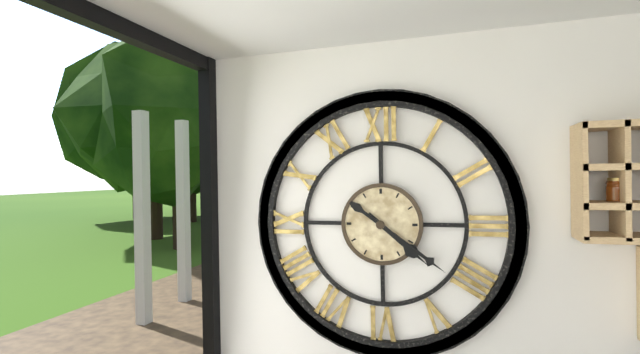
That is 4.21
